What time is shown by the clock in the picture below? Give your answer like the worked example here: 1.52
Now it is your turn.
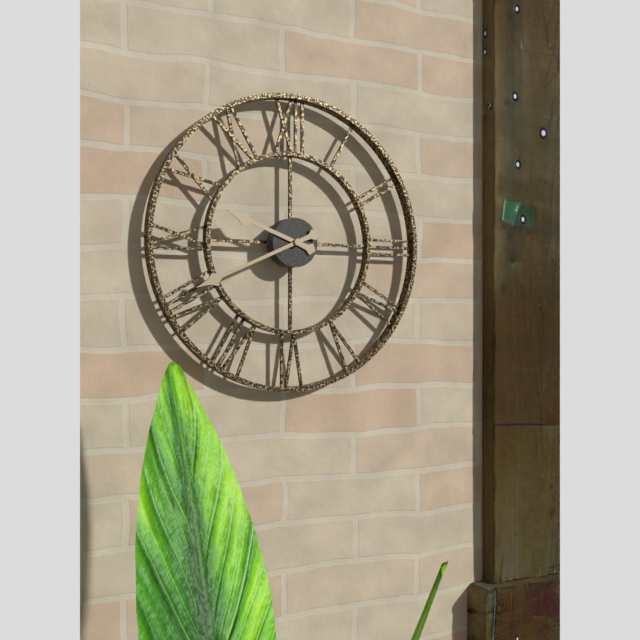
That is 9.41
